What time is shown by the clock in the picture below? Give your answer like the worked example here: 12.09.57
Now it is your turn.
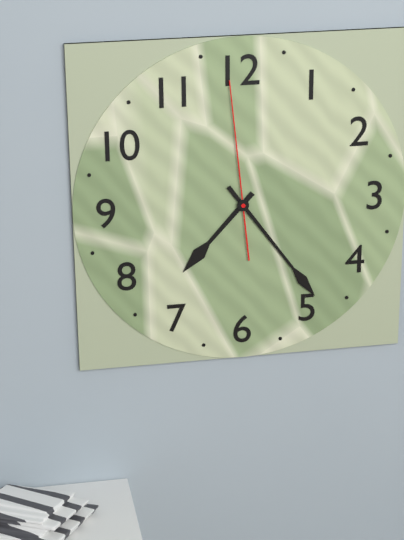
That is 7.24.59
